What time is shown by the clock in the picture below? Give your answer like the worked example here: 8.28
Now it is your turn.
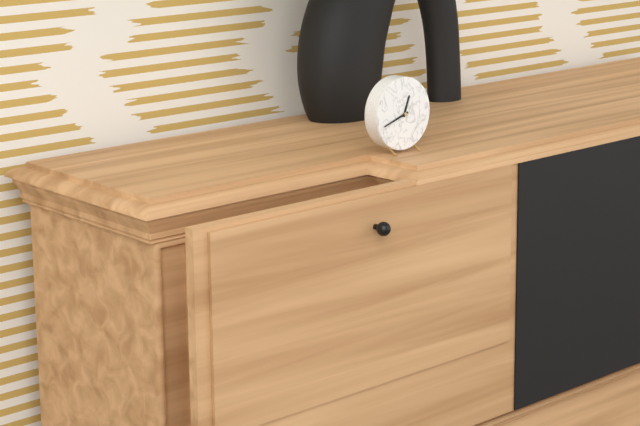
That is 12.42
